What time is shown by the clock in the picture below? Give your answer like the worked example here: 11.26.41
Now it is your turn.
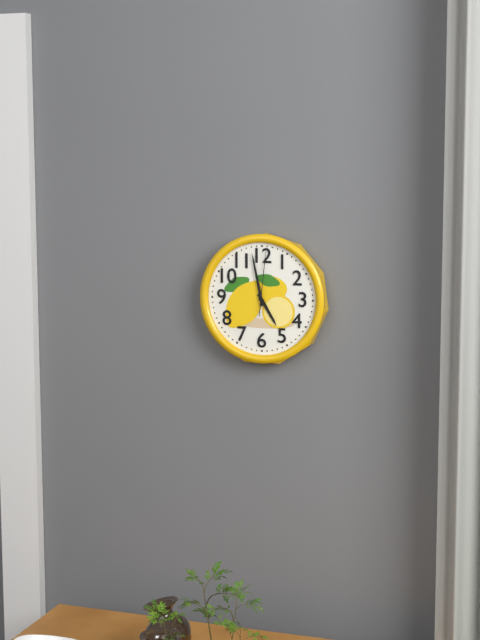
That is 4.58.01
